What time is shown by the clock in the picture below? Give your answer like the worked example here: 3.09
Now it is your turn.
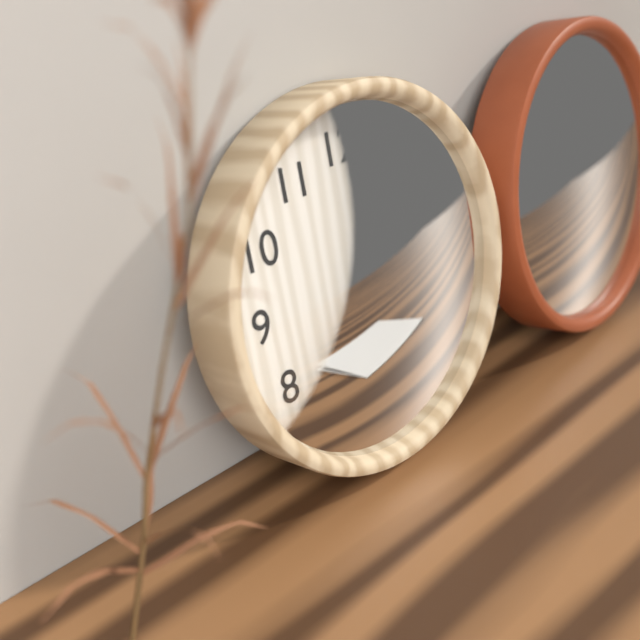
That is 4.36
